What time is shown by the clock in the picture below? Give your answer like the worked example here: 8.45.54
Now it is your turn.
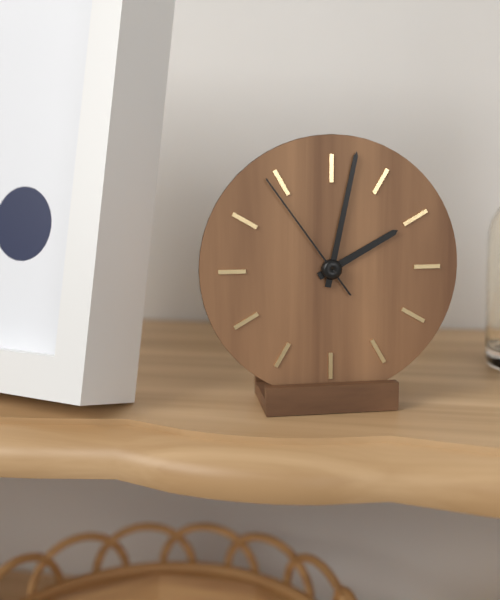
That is 2.02.54
